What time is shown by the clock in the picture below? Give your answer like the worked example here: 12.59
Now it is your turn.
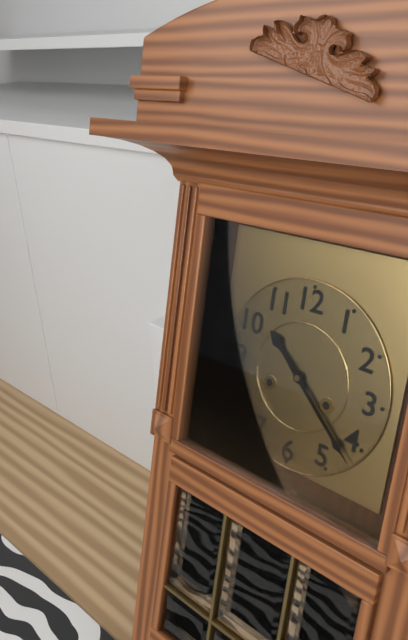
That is 10.22
